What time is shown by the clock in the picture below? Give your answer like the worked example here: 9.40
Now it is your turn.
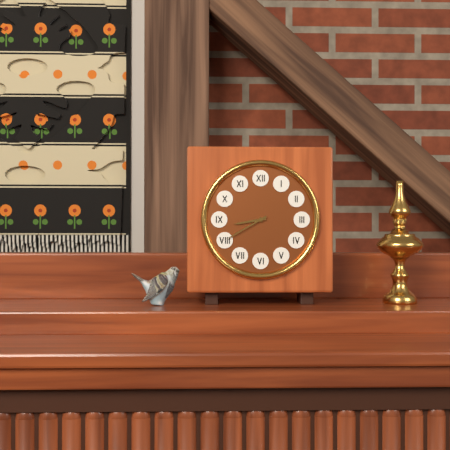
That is 8.40
